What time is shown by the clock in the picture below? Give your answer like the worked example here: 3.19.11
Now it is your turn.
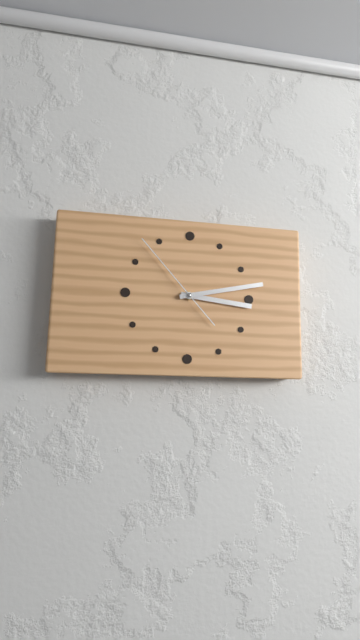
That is 3.13.53
